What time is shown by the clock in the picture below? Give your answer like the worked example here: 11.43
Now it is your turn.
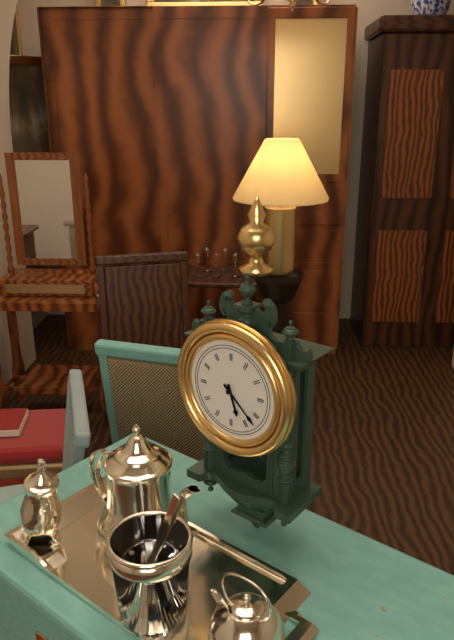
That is 5.22
